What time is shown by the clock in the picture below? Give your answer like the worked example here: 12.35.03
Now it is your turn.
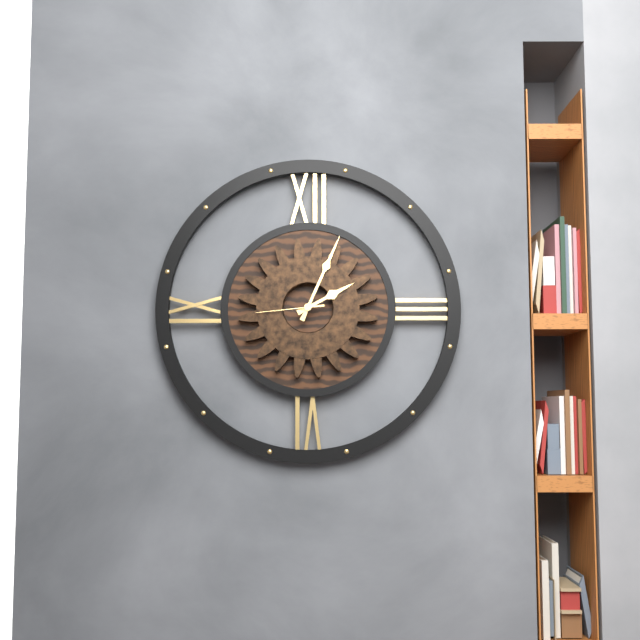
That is 2.04.44
